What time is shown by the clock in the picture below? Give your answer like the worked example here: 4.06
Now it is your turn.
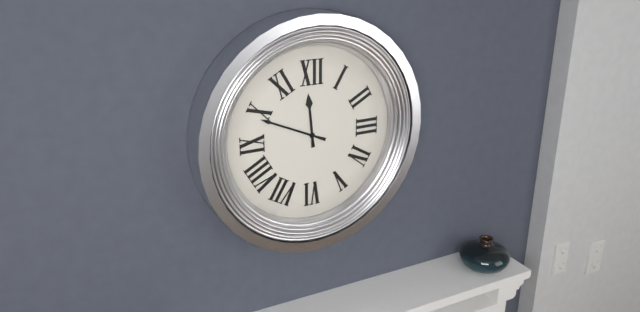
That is 11.49
